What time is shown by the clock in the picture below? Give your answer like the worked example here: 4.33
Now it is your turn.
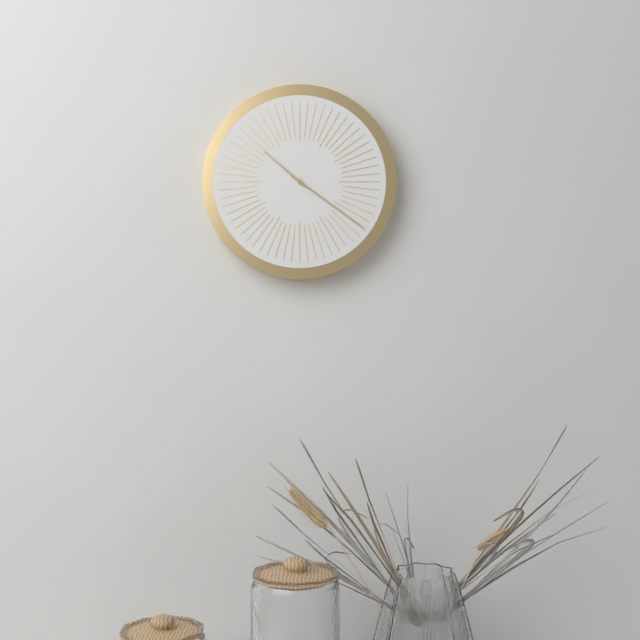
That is 10.21
